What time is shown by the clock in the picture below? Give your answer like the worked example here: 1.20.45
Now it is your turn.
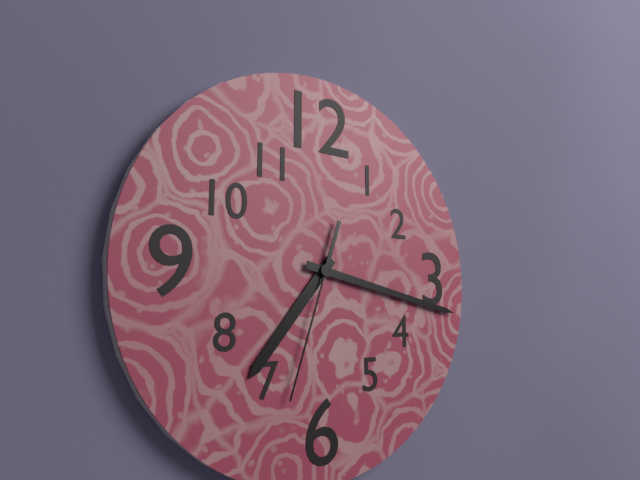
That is 7.17.33
